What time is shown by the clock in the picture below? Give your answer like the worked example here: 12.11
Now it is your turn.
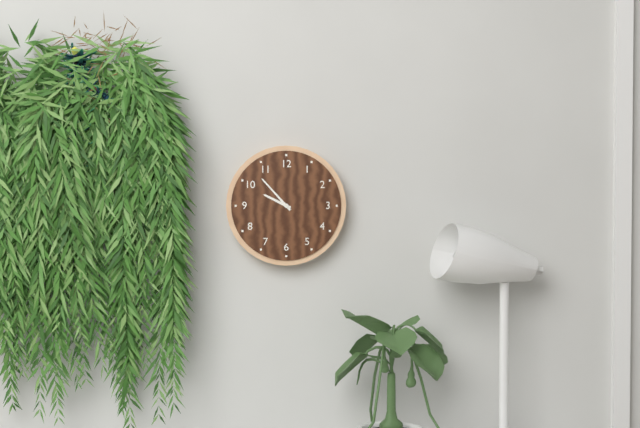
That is 9.53
